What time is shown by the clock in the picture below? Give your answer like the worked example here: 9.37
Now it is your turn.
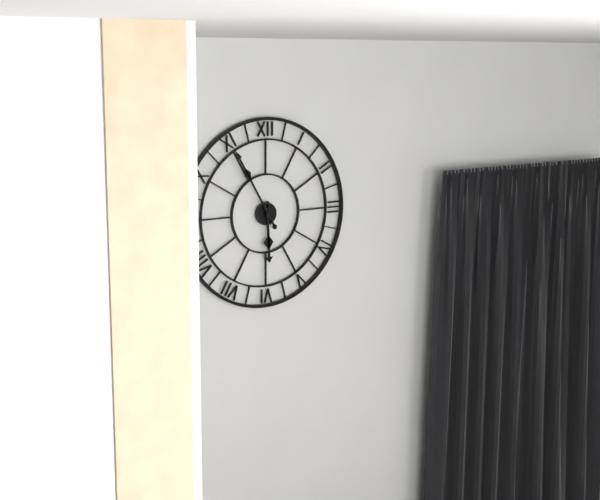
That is 5.55
